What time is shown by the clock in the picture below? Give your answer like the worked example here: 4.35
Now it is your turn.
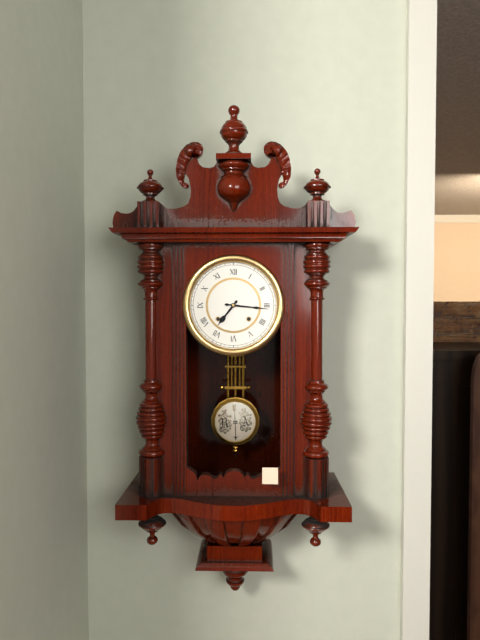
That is 7.16
